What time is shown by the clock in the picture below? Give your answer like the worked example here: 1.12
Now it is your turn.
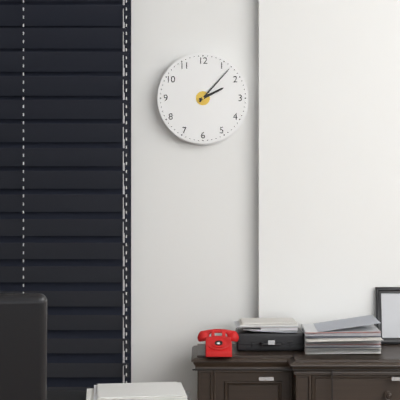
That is 2.07
